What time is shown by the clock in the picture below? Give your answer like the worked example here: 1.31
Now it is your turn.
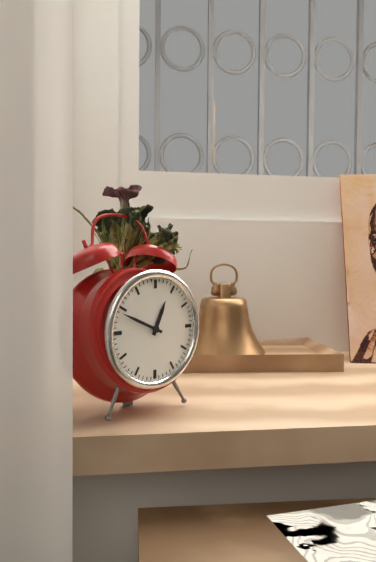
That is 12.49
